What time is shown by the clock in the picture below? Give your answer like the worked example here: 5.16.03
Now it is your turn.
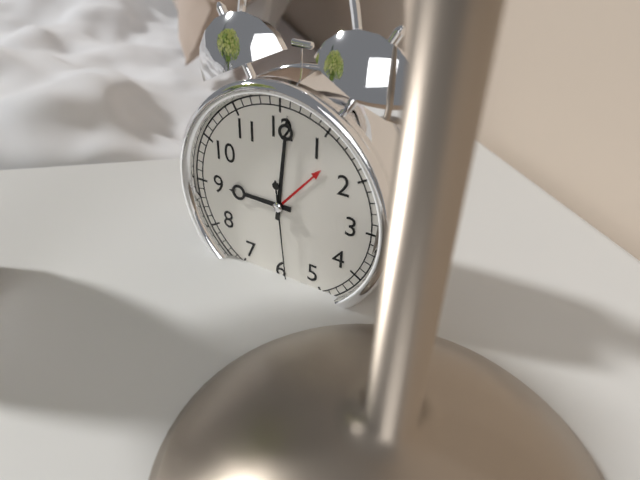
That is 9.01.29
